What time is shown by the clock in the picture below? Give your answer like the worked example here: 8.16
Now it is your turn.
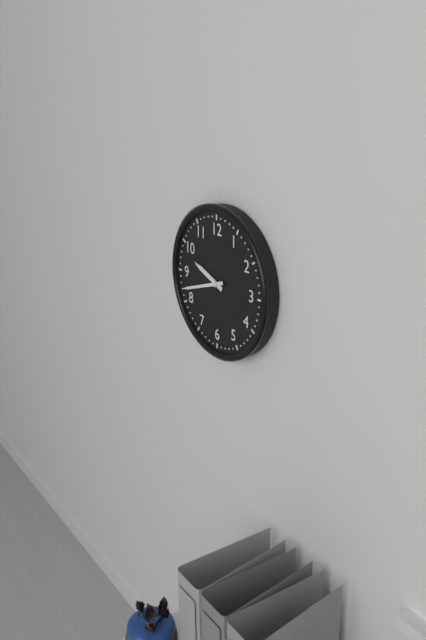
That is 9.42
